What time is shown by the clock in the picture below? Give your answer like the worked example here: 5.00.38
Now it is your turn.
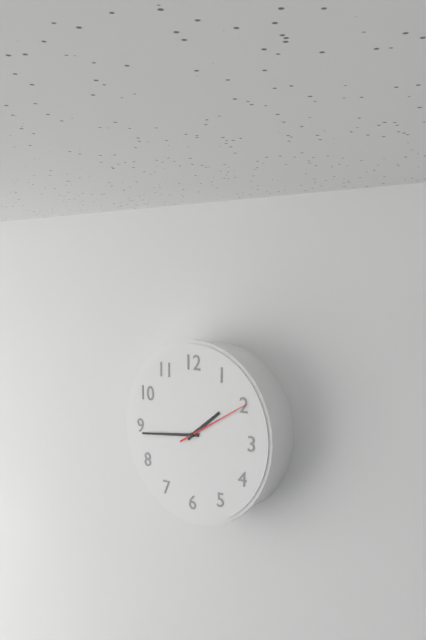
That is 1.44.10
